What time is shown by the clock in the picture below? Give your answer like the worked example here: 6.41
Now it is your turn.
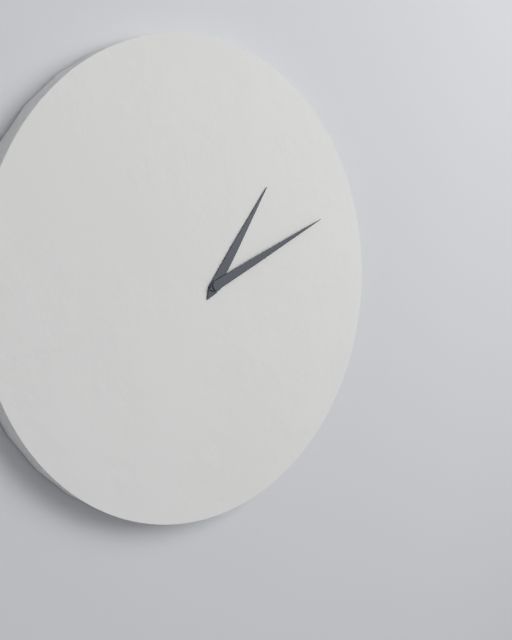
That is 1.11
